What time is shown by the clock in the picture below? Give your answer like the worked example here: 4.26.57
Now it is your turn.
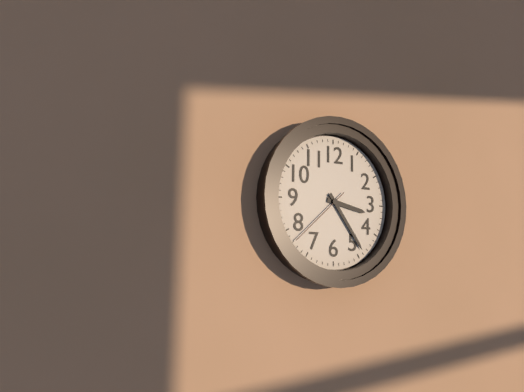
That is 3.24.38
